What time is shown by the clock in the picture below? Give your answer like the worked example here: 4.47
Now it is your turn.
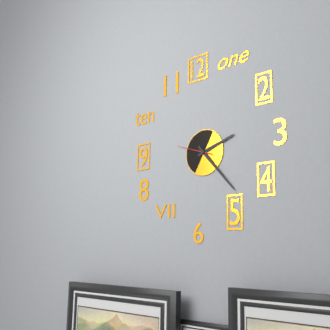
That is 2.23
